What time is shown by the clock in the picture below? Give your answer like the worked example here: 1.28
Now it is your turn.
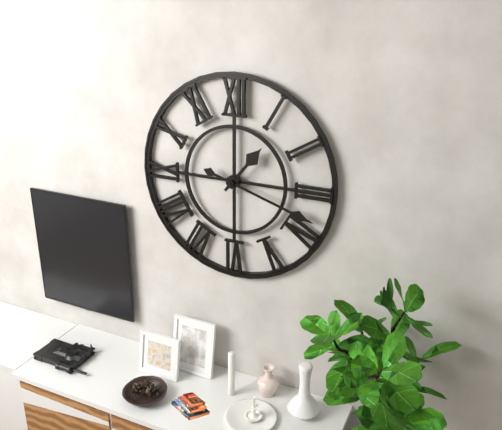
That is 1.18
